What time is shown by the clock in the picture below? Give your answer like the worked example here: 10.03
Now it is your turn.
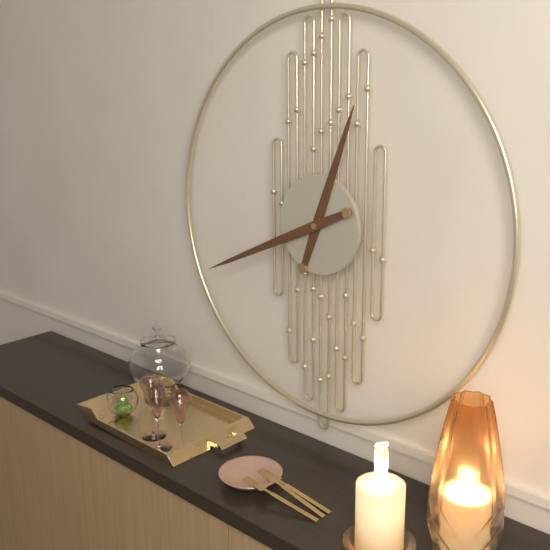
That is 12.41
